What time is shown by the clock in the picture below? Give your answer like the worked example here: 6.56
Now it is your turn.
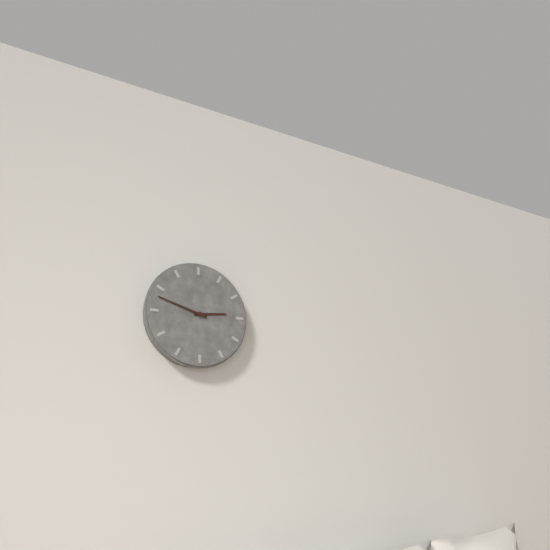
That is 2.48
